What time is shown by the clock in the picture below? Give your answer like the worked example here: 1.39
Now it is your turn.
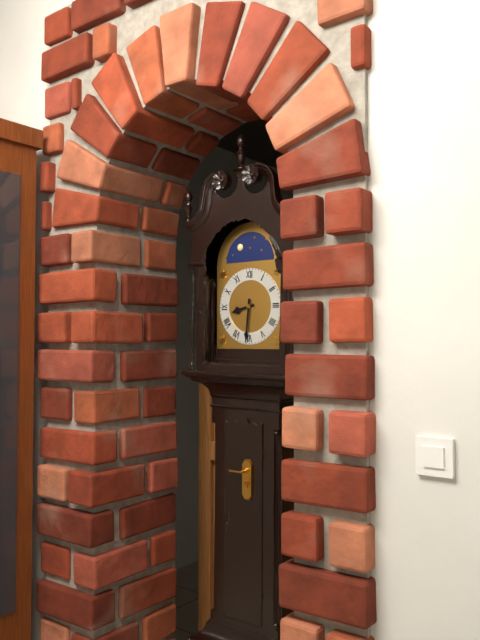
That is 8.31
